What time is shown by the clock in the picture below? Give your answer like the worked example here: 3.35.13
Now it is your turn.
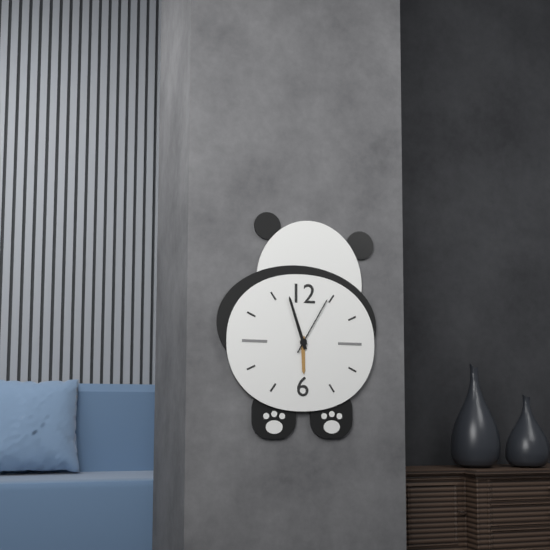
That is 5.57.05
